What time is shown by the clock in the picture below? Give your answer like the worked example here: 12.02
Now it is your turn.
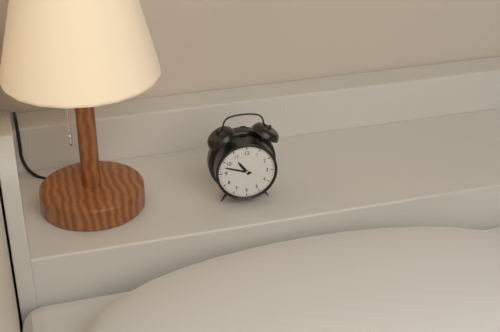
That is 10.48
